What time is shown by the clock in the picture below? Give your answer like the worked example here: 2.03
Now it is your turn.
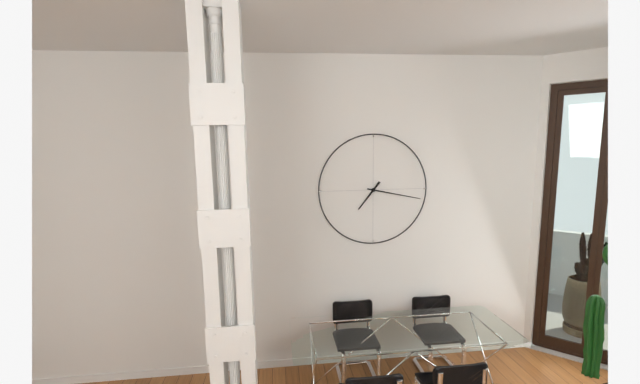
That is 7.17
